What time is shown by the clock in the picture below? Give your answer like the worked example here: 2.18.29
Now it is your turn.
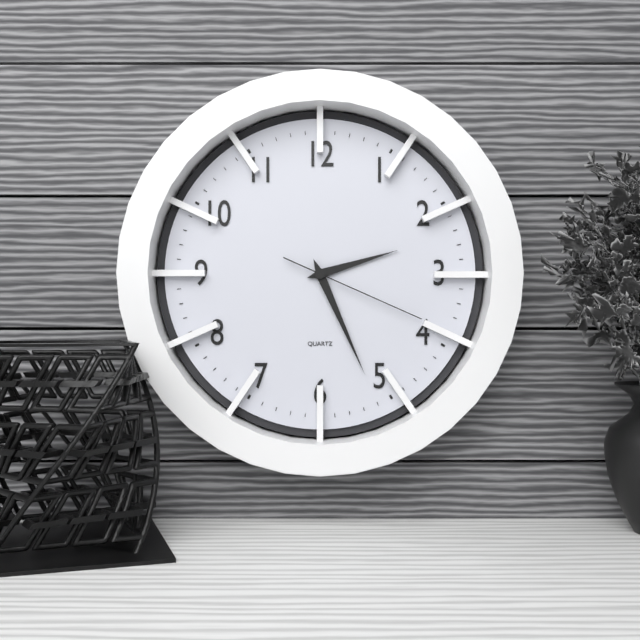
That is 2.26.19
